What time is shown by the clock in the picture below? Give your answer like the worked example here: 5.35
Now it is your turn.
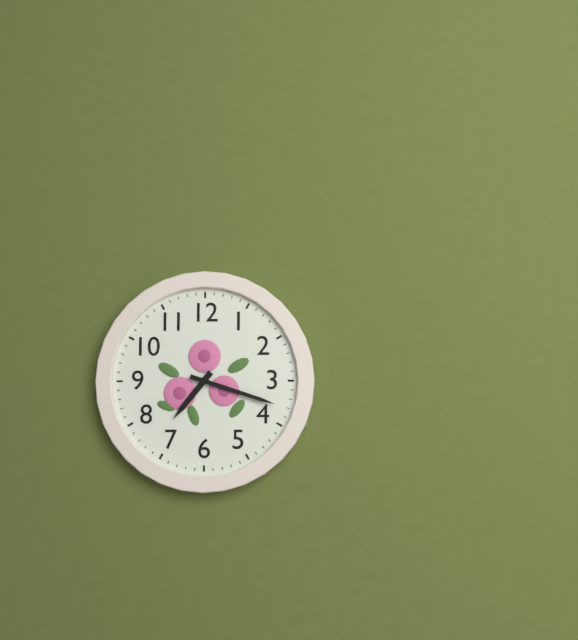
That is 7.18
